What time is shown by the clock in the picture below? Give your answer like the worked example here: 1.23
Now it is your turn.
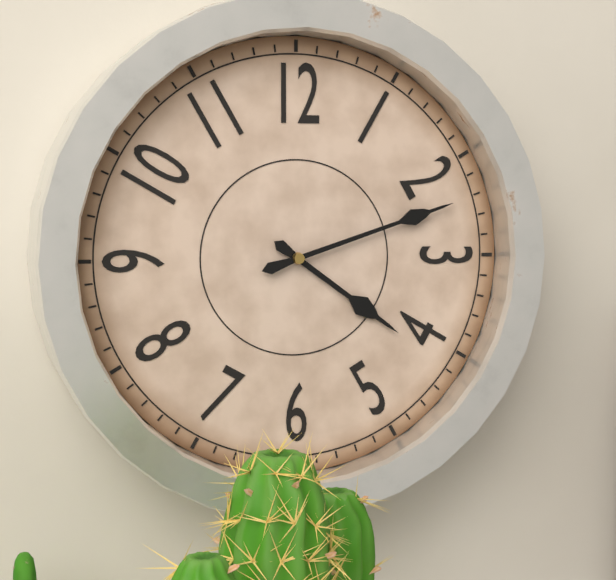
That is 4.12
